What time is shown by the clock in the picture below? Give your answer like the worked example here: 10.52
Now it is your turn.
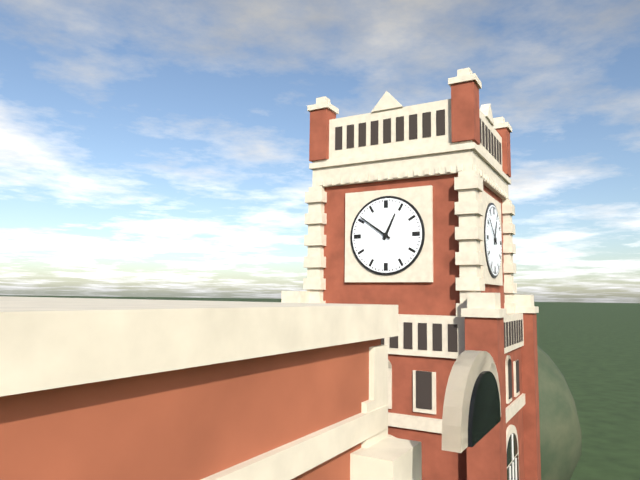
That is 12.51
